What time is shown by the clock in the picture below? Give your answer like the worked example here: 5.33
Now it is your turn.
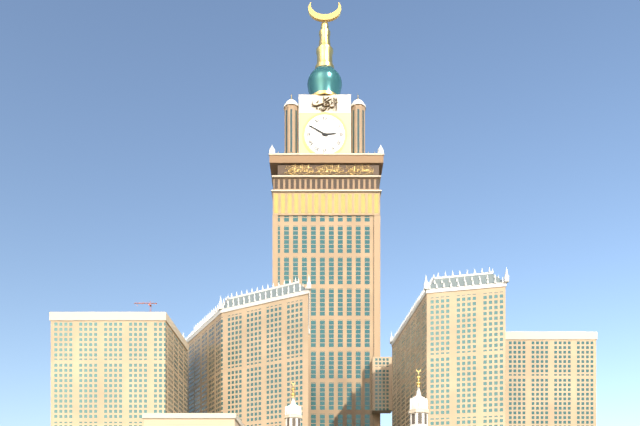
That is 2.50
